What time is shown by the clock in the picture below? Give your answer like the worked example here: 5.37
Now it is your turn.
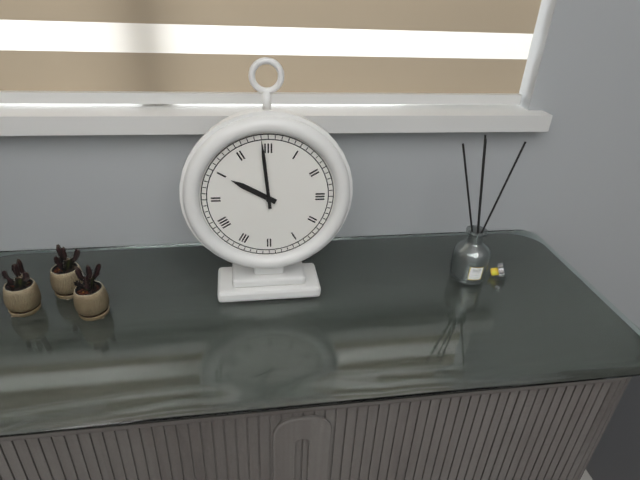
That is 9.59
